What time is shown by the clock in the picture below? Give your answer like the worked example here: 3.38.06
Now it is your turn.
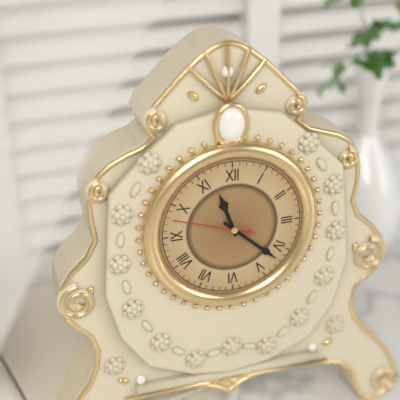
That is 11.22.48
